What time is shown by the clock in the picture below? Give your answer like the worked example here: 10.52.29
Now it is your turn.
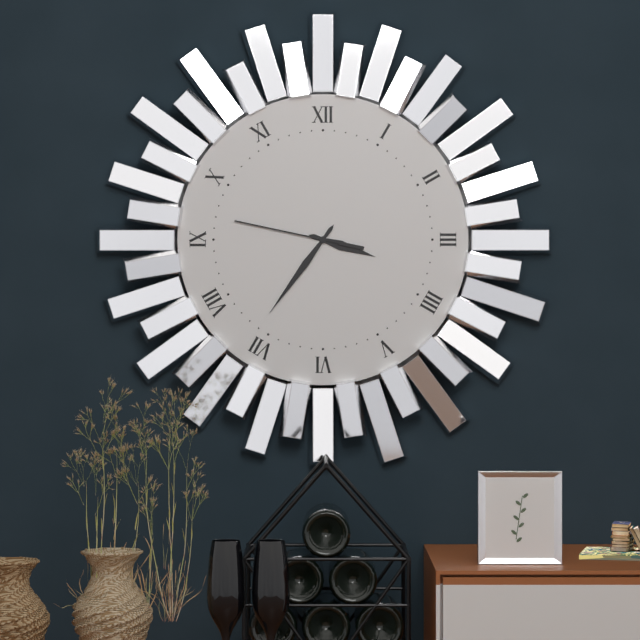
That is 3.36.47
